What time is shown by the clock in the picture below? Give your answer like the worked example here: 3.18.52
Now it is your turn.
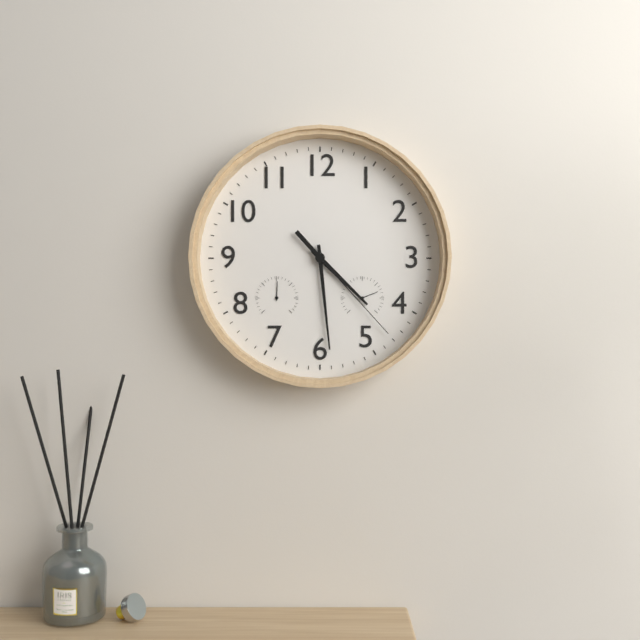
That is 4.29.23
